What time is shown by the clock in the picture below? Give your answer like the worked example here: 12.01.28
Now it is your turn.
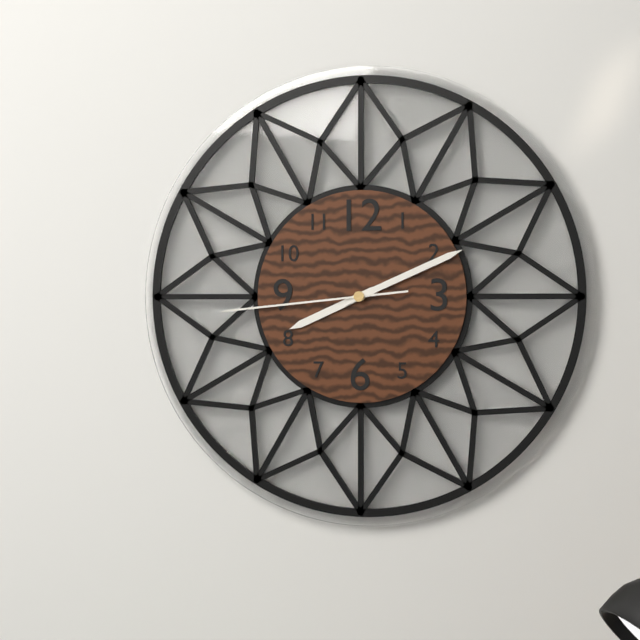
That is 8.11.44
